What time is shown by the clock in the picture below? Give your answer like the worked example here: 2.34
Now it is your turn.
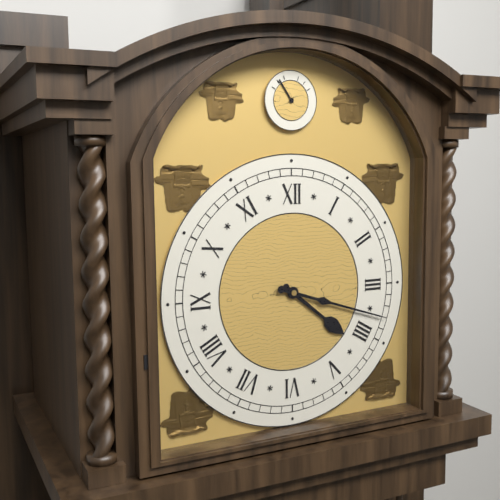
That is 4.18
